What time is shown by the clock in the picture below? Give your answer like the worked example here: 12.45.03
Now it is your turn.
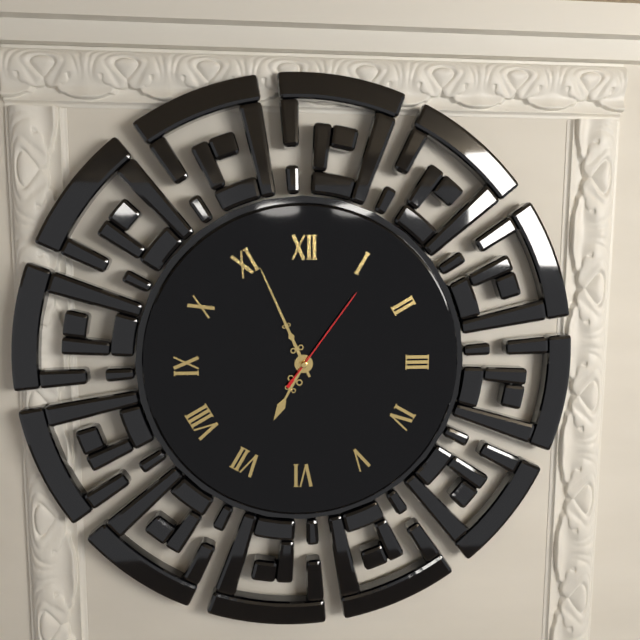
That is 6.56.06
